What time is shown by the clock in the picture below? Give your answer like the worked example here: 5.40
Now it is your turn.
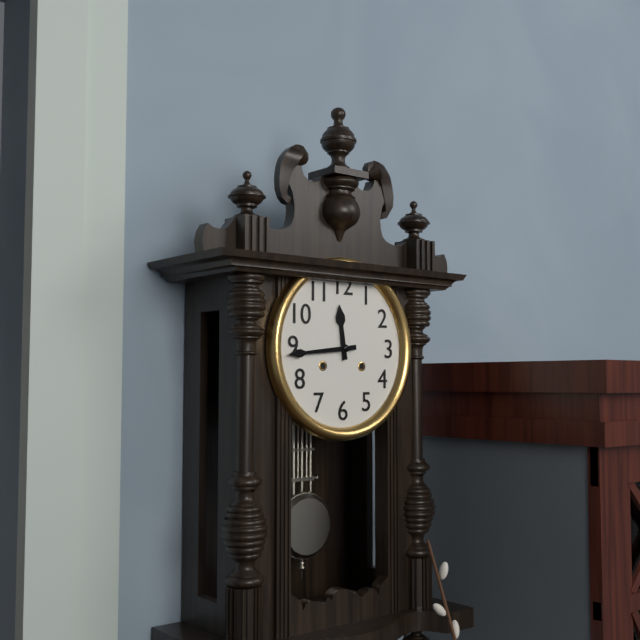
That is 11.44
